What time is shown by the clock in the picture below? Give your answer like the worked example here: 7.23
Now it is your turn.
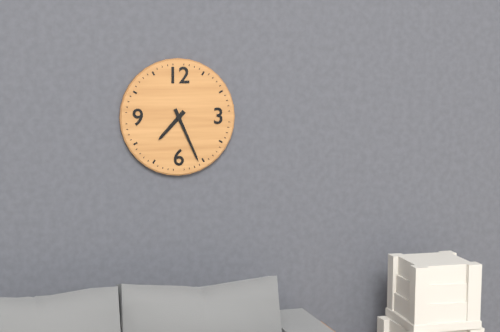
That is 7.26
